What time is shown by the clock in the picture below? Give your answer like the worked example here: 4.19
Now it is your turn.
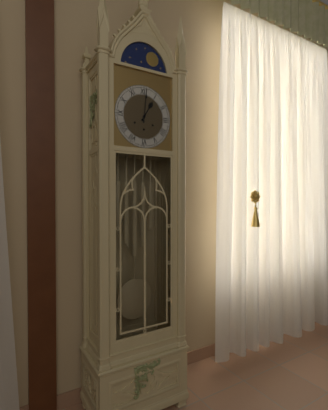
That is 1.01
